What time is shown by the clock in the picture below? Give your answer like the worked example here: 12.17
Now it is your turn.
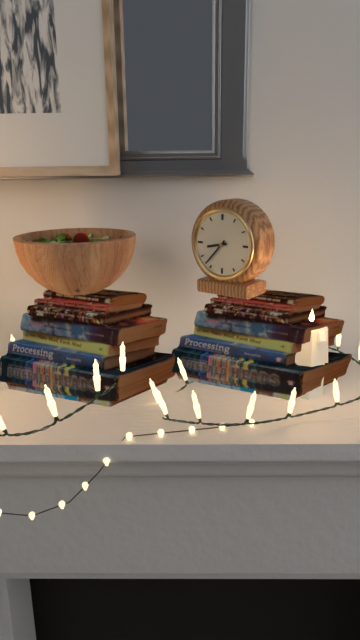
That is 8.37
